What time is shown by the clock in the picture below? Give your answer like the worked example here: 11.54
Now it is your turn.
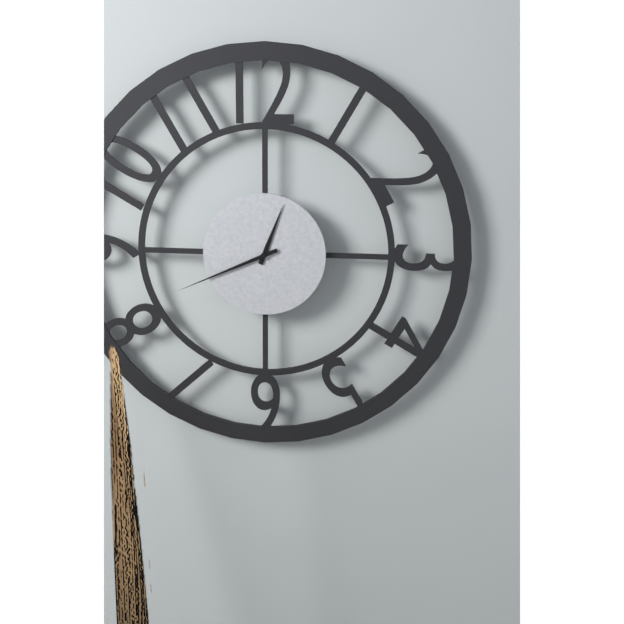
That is 12.41
